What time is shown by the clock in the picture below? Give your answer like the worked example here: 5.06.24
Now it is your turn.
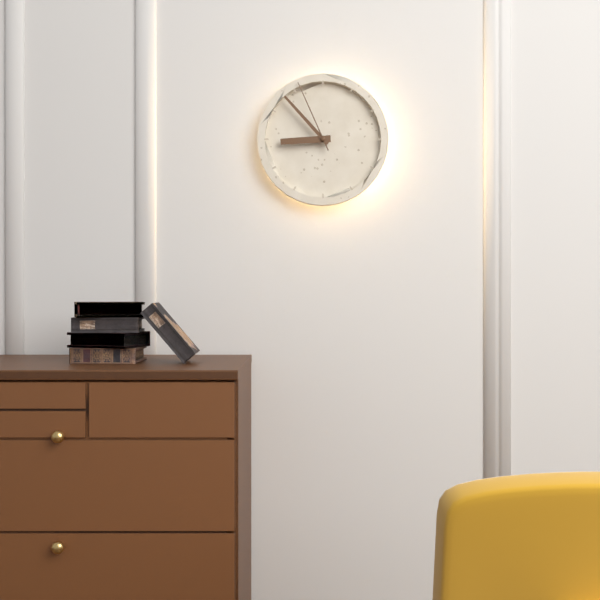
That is 8.53.56
